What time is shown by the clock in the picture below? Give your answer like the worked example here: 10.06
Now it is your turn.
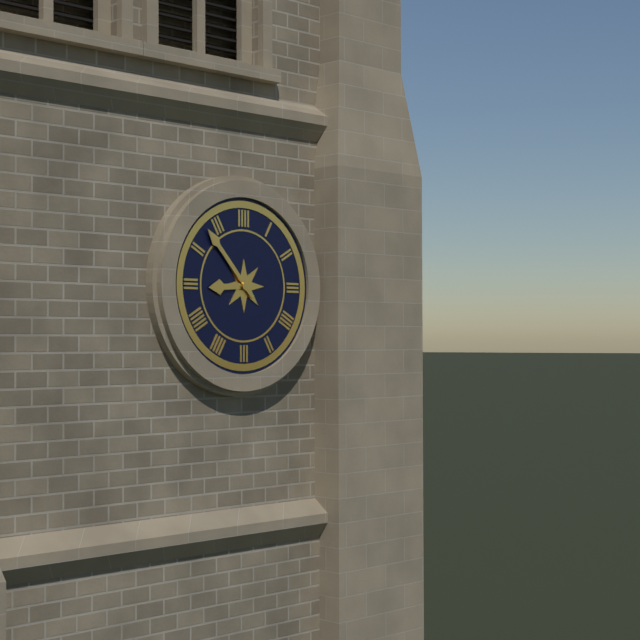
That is 8.53
